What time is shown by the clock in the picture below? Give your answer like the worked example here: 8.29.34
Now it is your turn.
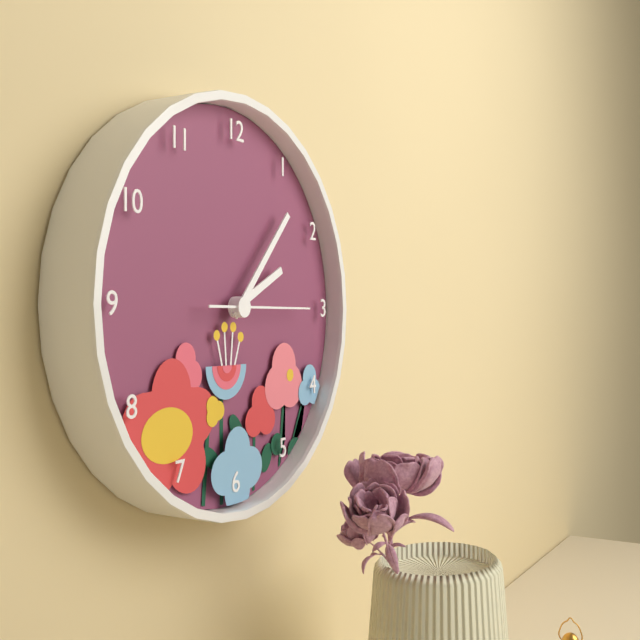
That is 2.07.15
